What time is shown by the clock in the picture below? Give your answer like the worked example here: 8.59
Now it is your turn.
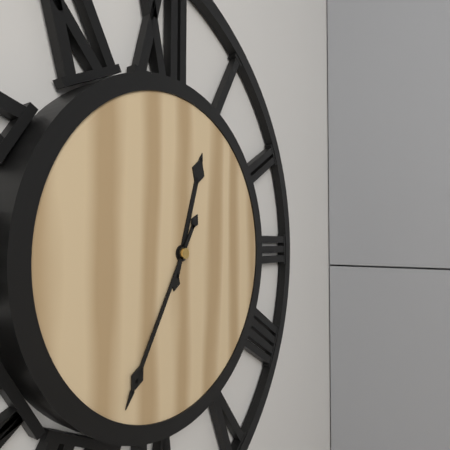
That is 12.35
